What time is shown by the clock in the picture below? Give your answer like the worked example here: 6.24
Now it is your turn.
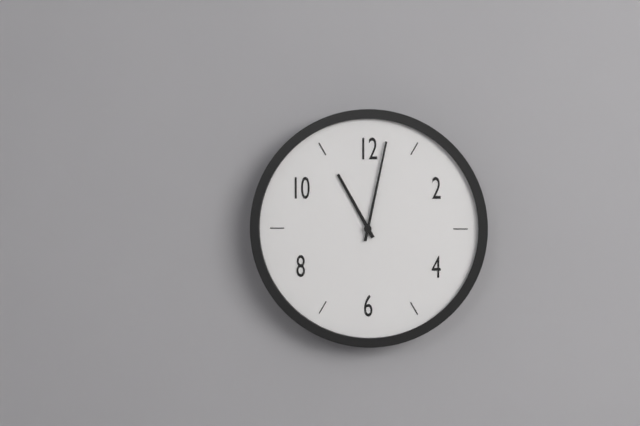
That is 11.02
